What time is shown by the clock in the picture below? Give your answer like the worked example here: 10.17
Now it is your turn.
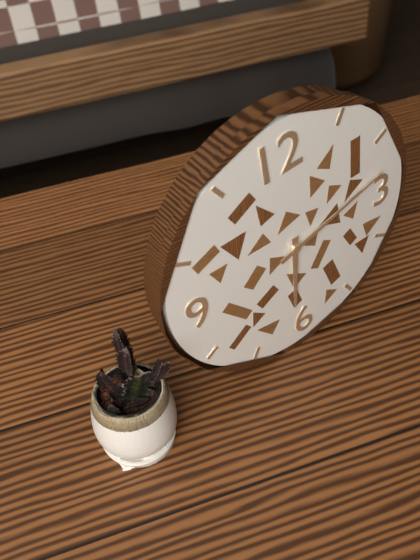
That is 6.13
